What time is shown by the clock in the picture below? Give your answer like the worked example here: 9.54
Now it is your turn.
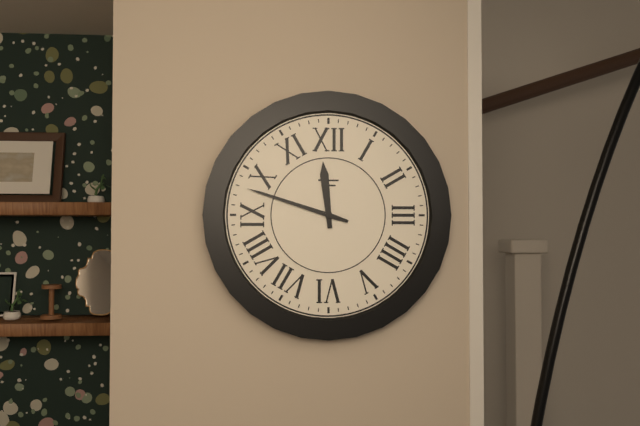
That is 11.48
